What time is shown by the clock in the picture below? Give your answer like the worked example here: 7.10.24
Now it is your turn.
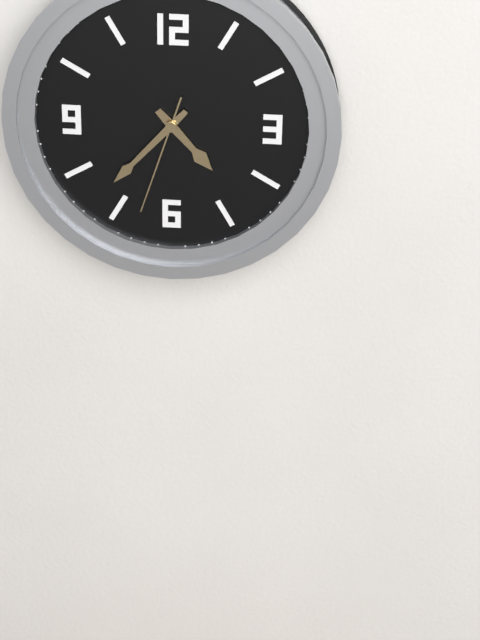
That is 4.37.33
